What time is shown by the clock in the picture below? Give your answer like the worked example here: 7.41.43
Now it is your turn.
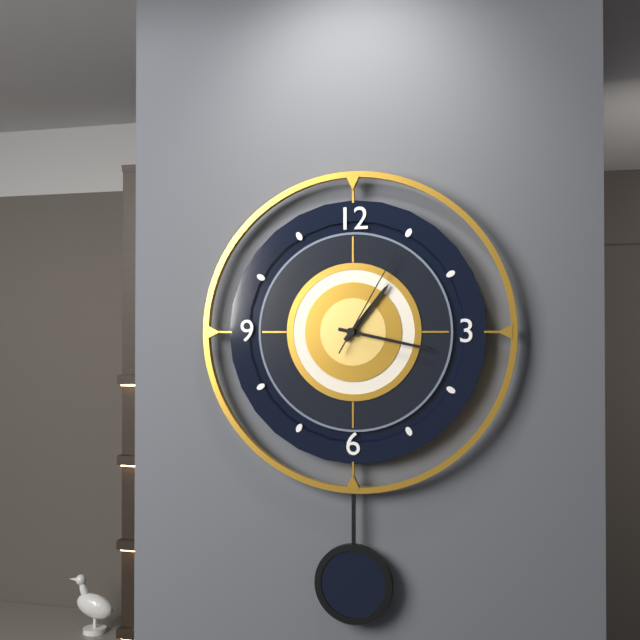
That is 1.17.05
